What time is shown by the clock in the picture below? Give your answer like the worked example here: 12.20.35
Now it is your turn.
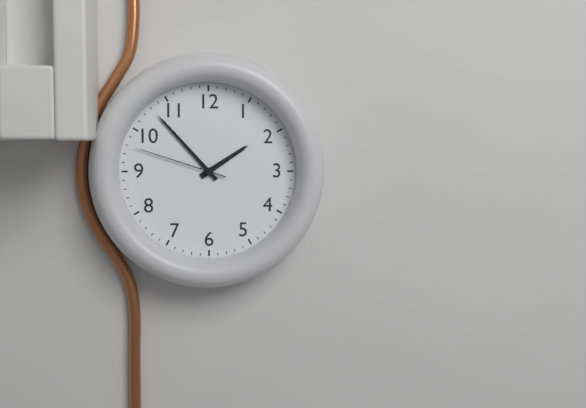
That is 1.53.48
